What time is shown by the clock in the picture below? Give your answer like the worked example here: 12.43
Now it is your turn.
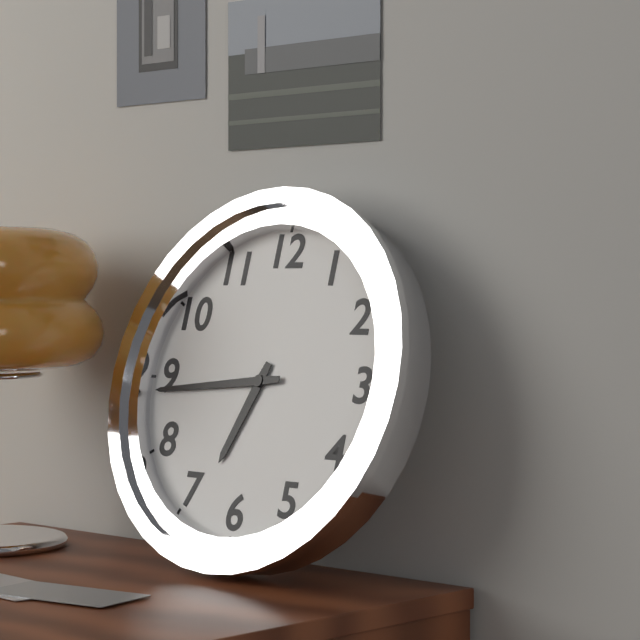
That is 6.44
